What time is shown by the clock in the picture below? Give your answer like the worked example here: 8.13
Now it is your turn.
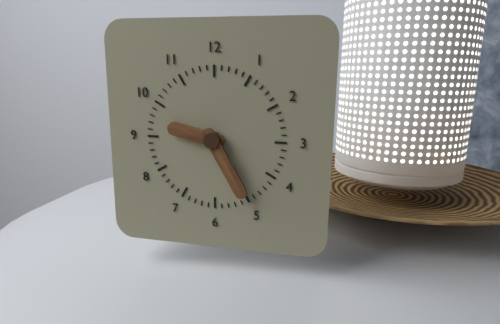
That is 9.25
